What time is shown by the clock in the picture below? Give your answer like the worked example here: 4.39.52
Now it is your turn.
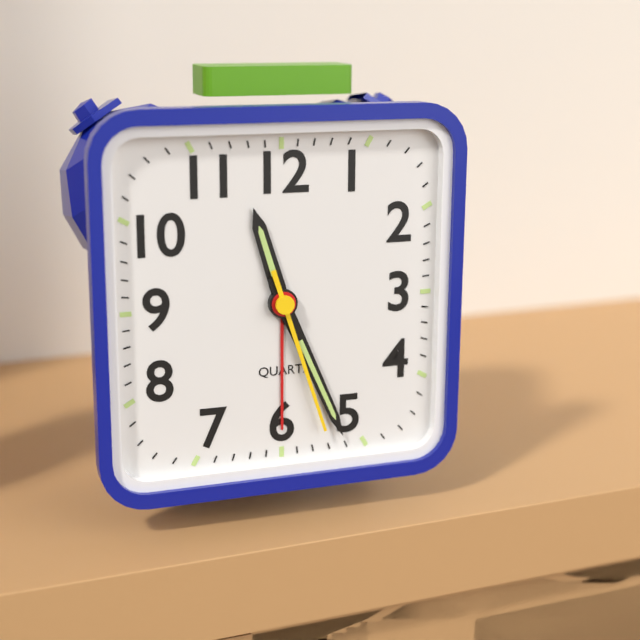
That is 11.26.27
